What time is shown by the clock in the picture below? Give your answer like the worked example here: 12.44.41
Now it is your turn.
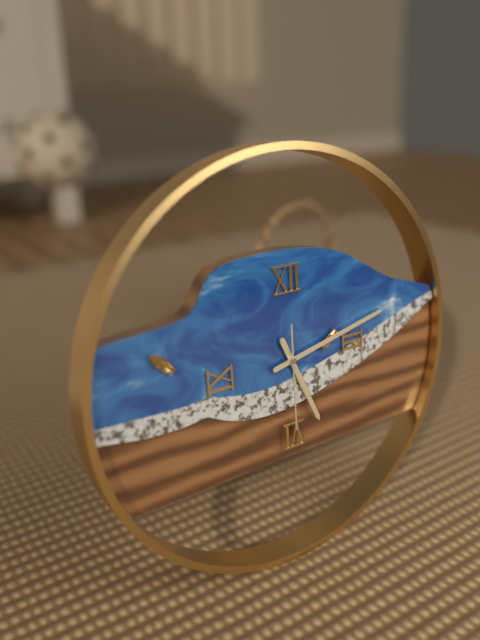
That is 5.13.30
